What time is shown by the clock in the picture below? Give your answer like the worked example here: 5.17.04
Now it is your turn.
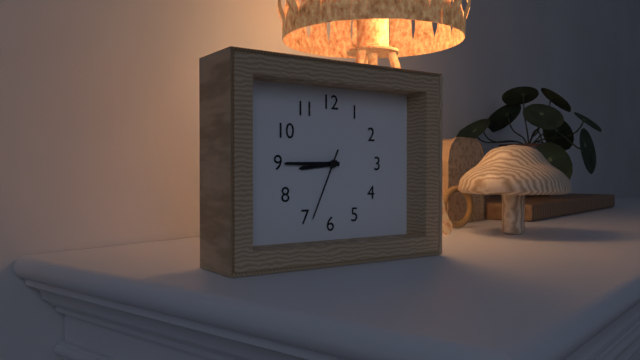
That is 8.45.34
